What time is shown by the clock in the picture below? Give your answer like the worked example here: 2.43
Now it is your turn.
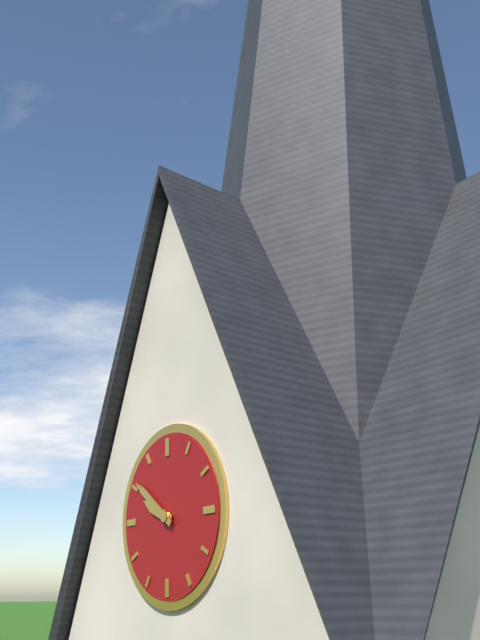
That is 9.51
